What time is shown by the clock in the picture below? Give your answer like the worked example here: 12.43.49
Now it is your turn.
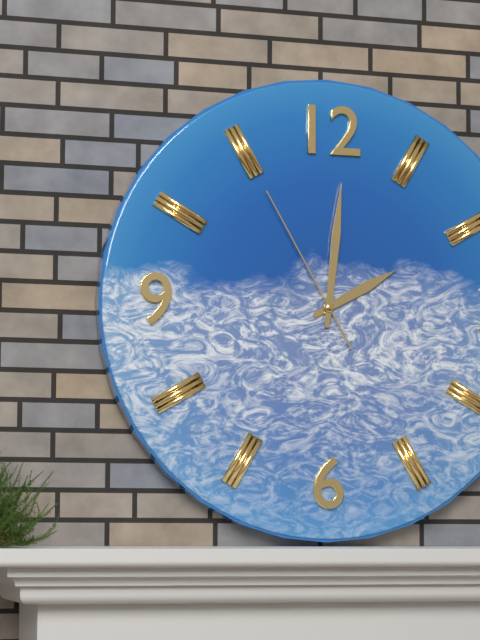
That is 2.01.55
